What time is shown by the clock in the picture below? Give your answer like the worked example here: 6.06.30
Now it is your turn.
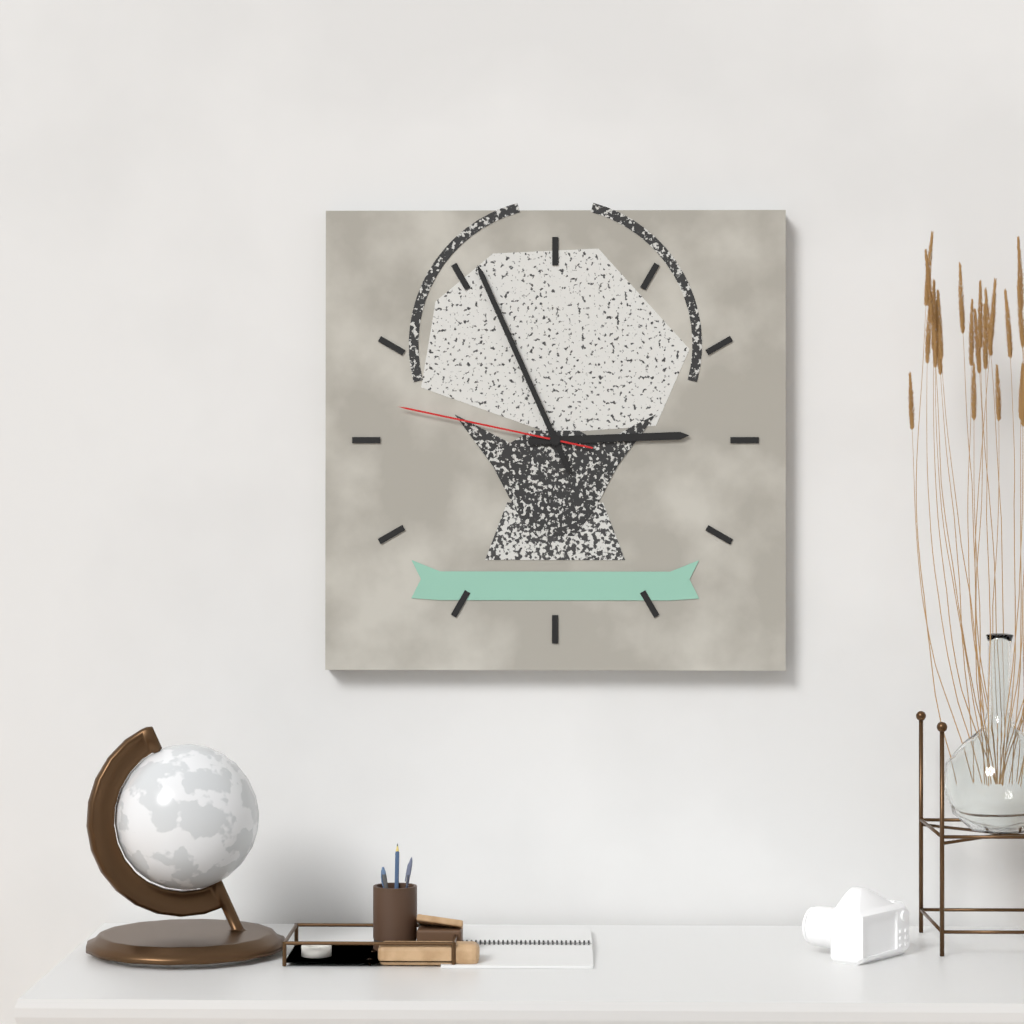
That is 2.56.47
